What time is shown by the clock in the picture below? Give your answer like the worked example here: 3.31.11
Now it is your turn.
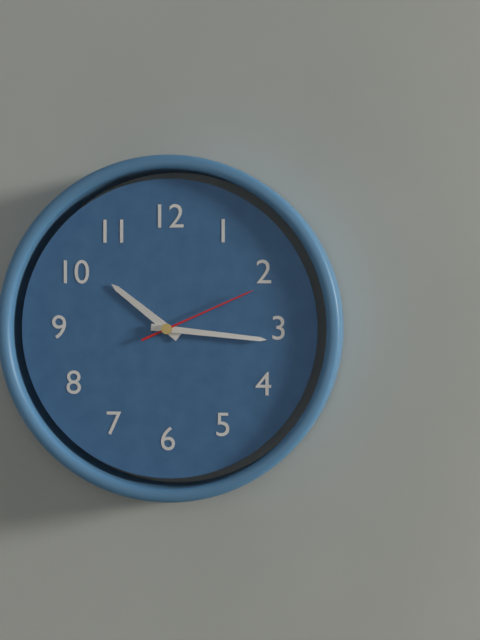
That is 10.16.11
